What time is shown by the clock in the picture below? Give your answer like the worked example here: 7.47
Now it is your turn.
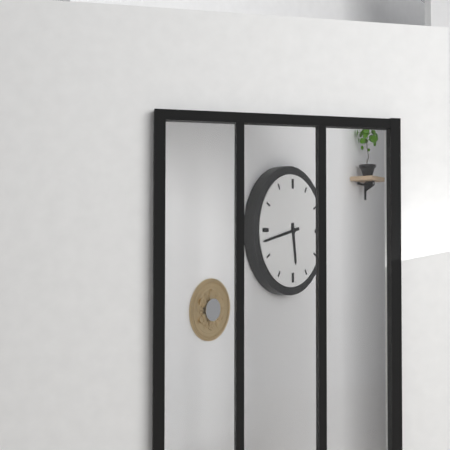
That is 5.43
